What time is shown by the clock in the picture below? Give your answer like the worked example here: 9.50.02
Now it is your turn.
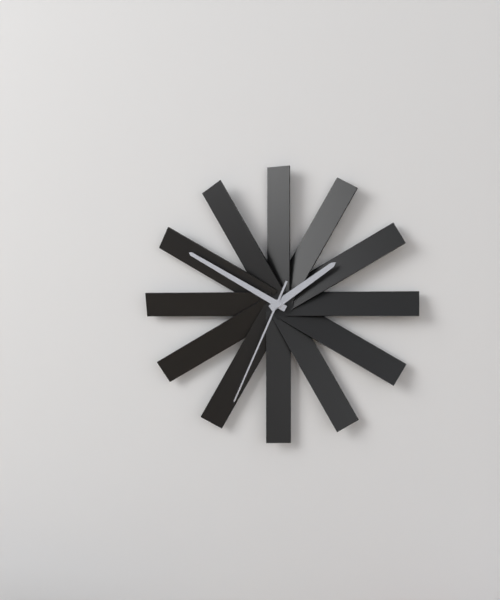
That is 1.50.34
